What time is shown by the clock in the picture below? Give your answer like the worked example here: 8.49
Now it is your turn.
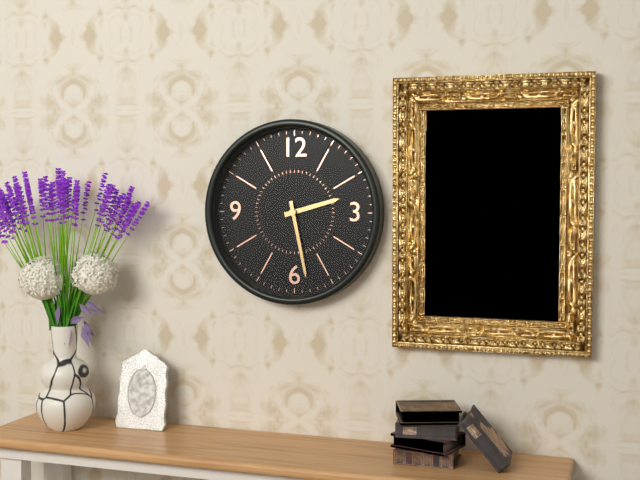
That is 2.28
